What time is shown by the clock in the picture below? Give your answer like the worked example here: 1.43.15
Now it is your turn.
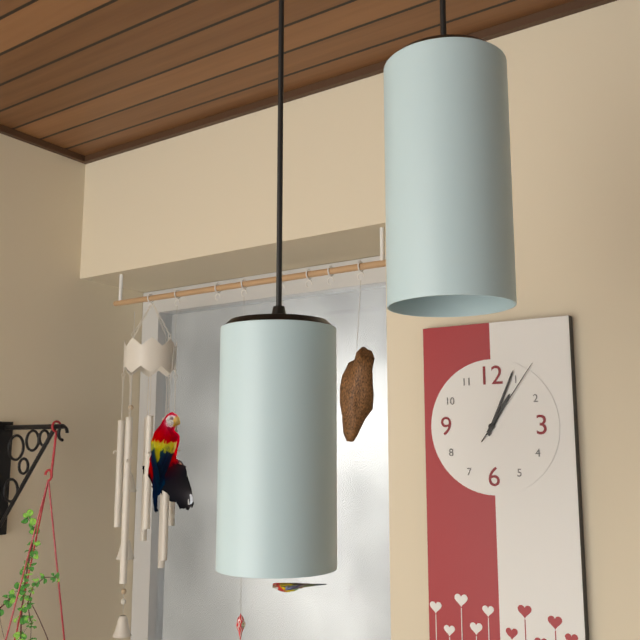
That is 1.04.06
